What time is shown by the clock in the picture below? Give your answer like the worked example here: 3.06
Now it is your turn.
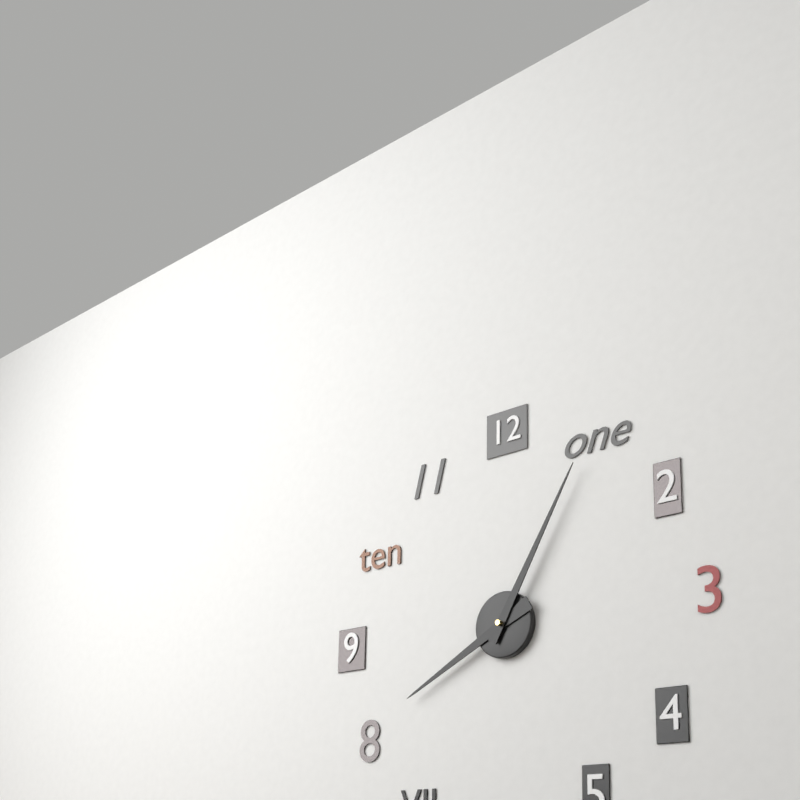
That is 8.05
